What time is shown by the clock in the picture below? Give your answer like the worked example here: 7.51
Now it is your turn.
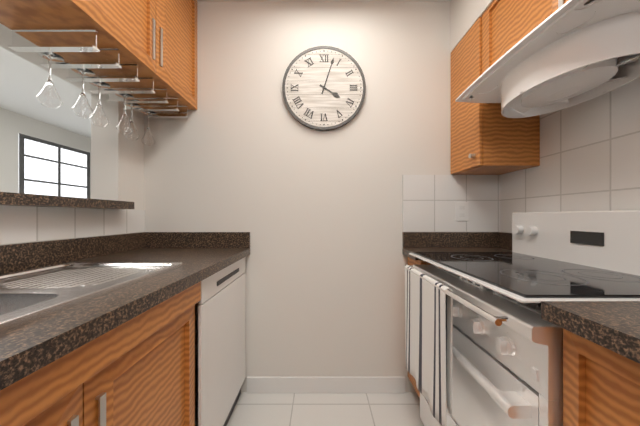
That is 4.03
